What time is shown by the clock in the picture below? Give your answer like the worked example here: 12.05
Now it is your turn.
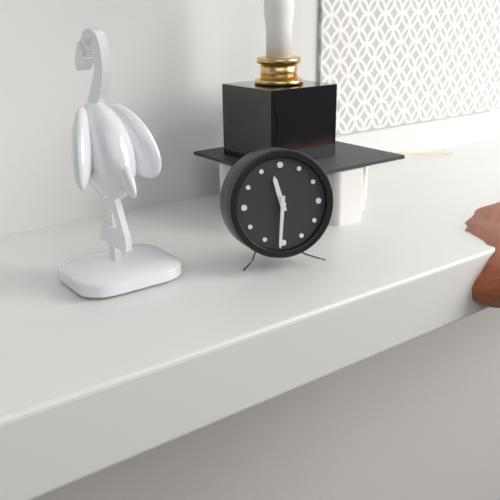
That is 11.31
